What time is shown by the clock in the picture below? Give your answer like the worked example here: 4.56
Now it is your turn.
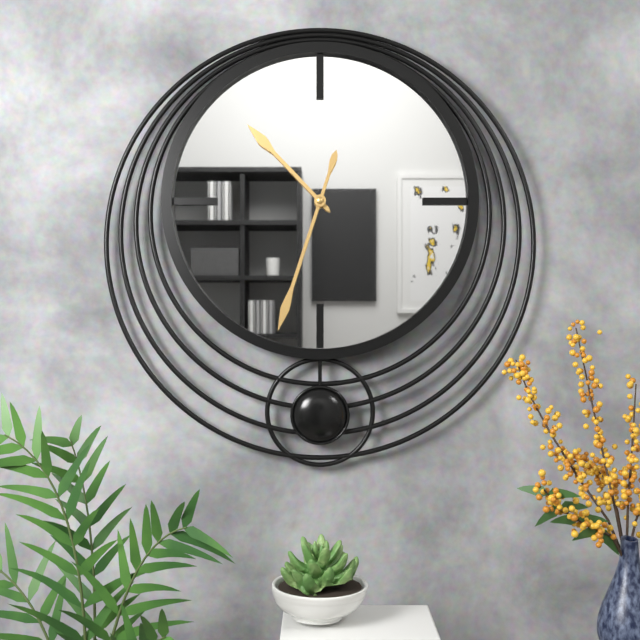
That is 10.33
